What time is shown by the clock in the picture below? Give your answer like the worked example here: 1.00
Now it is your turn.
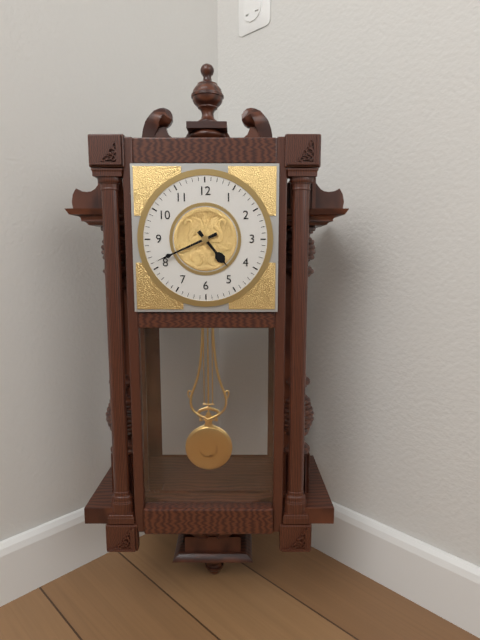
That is 4.41
